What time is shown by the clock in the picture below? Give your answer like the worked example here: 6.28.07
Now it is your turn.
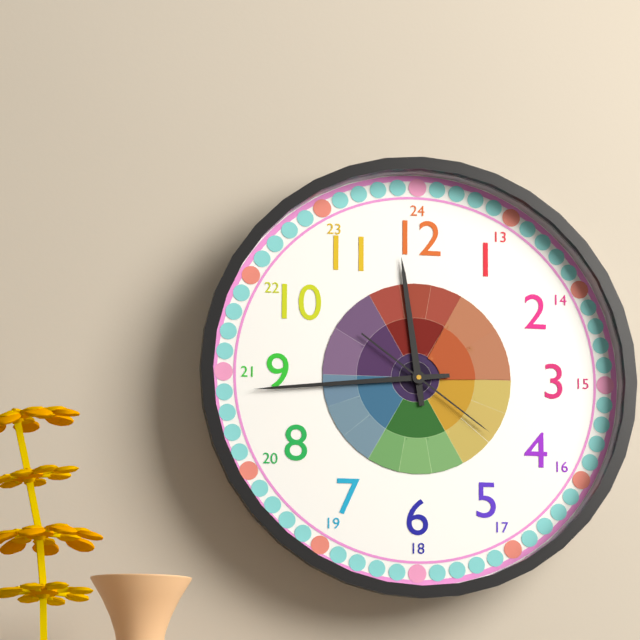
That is 11.44.21
